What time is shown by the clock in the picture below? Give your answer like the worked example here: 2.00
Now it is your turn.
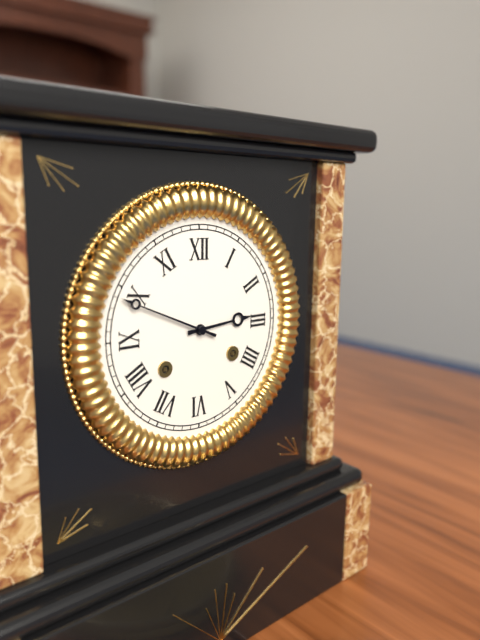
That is 2.49
